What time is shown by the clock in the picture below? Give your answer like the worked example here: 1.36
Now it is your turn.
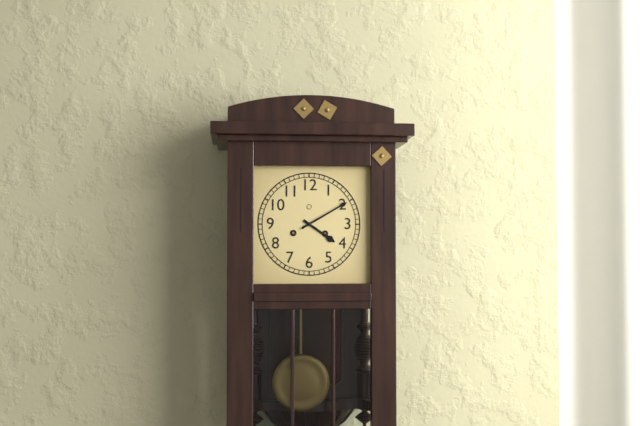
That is 4.10
